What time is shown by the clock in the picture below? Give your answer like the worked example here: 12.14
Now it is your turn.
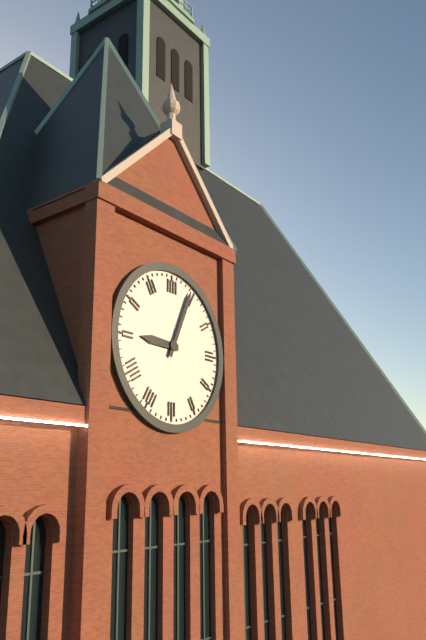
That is 9.04
